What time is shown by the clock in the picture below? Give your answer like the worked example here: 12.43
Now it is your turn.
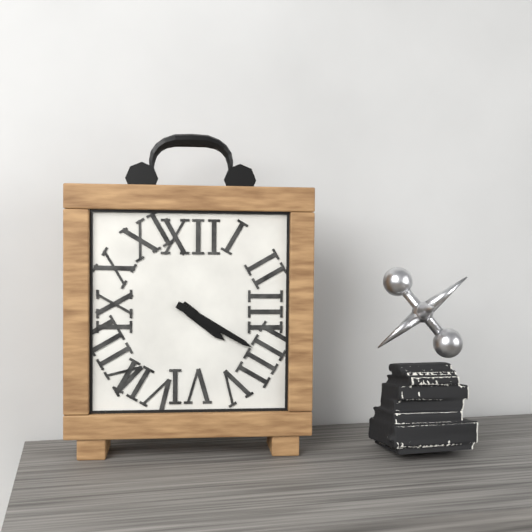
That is 4.20
